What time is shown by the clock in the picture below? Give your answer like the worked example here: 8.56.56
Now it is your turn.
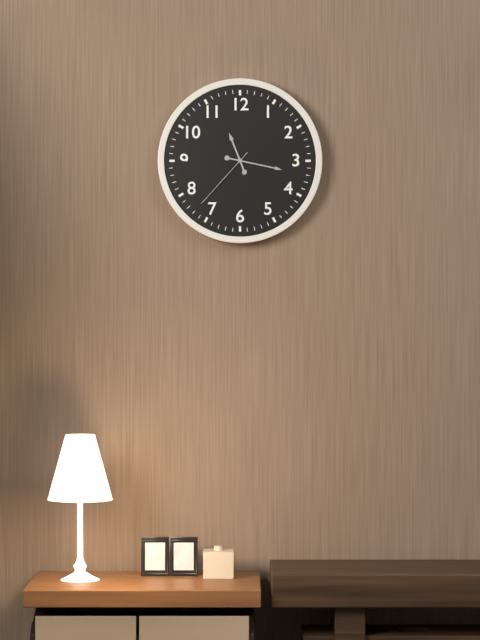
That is 11.17.37
